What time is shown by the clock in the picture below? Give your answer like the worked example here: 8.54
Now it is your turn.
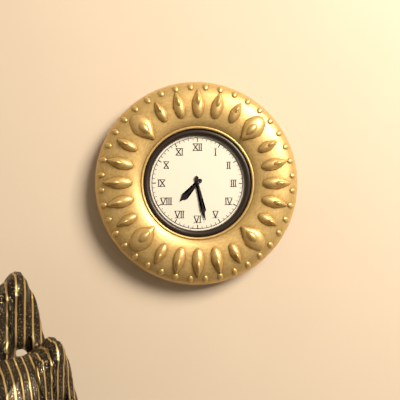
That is 7.28
